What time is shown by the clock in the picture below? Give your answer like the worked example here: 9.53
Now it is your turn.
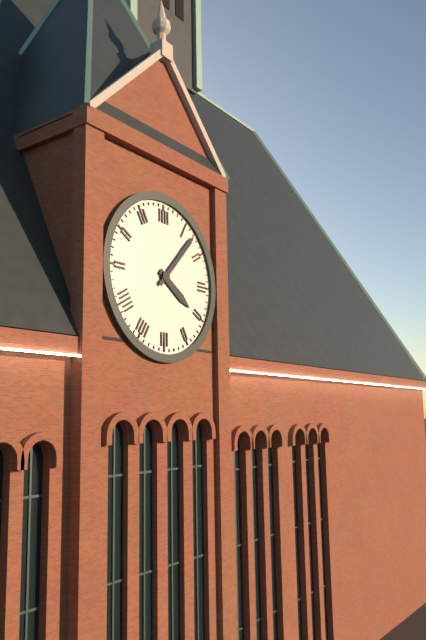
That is 4.07
